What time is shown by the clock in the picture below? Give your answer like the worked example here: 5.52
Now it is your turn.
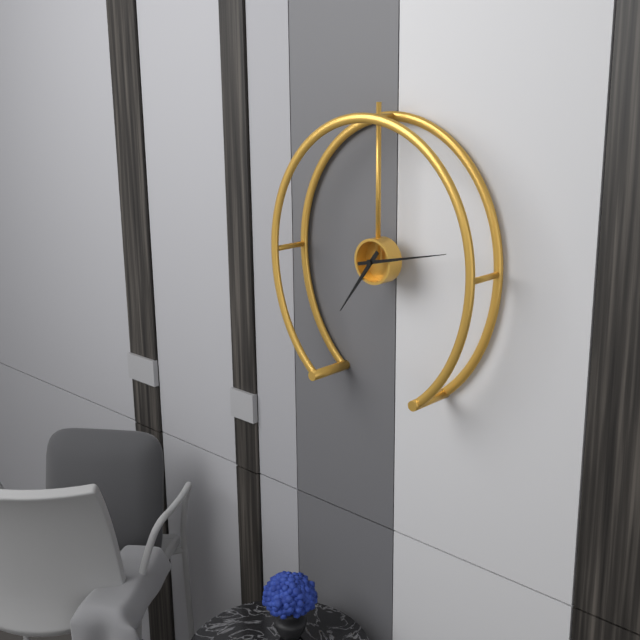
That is 7.13
